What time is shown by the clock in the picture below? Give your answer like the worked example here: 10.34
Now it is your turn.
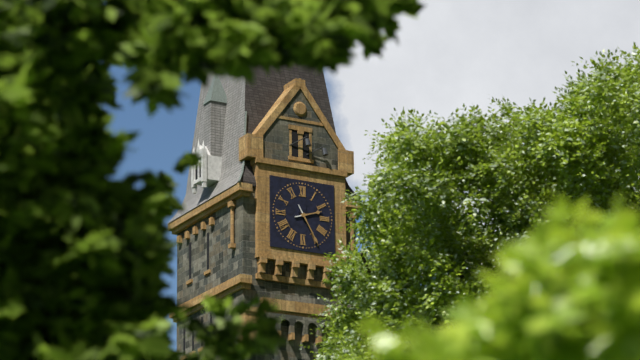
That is 2.25
